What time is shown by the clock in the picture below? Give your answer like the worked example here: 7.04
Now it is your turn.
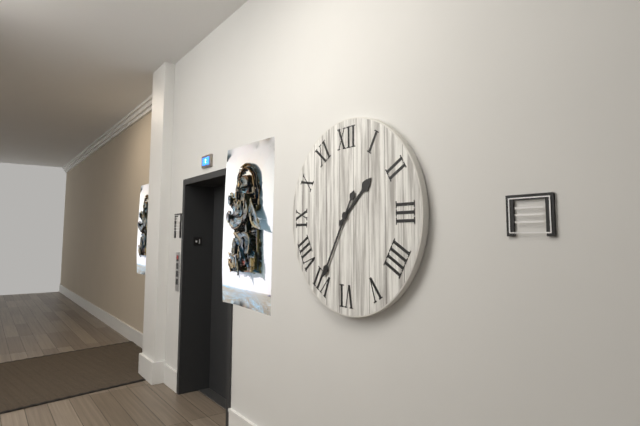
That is 1.35
